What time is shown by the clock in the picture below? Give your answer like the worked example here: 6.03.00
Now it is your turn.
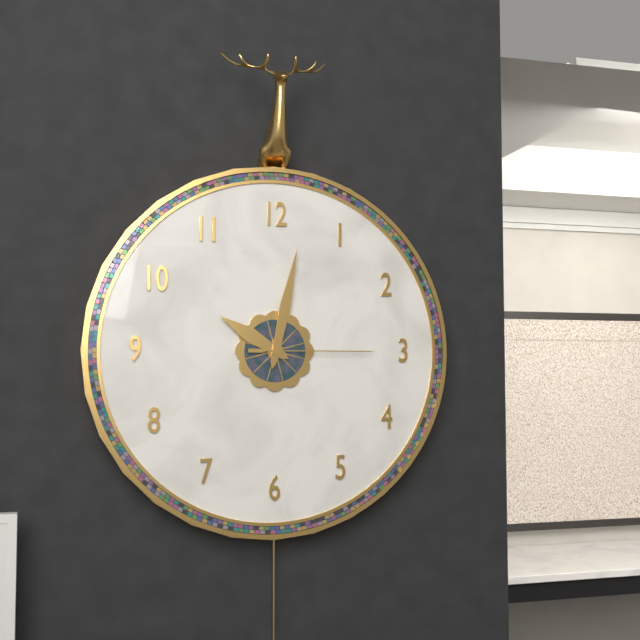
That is 10.02.15
